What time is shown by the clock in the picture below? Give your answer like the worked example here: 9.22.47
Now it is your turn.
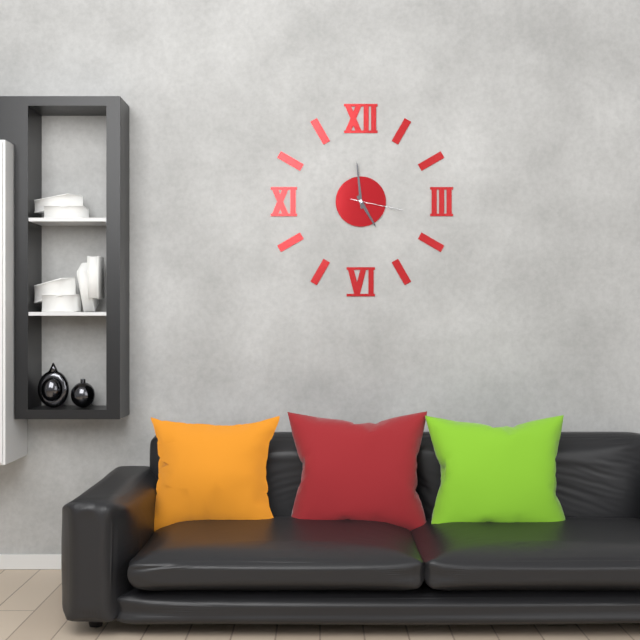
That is 4.59.17
